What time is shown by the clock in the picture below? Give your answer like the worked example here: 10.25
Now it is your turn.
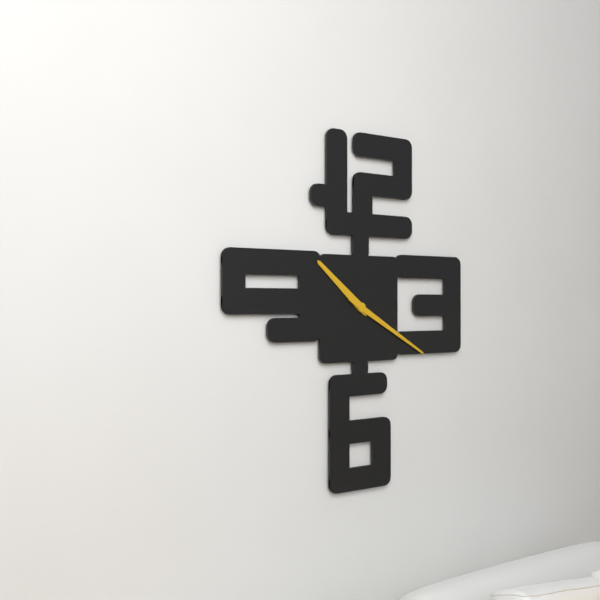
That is 10.20
